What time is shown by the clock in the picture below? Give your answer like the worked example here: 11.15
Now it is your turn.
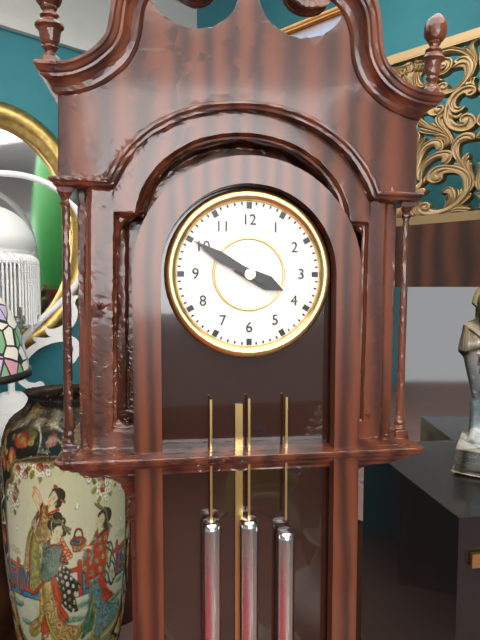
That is 3.50
